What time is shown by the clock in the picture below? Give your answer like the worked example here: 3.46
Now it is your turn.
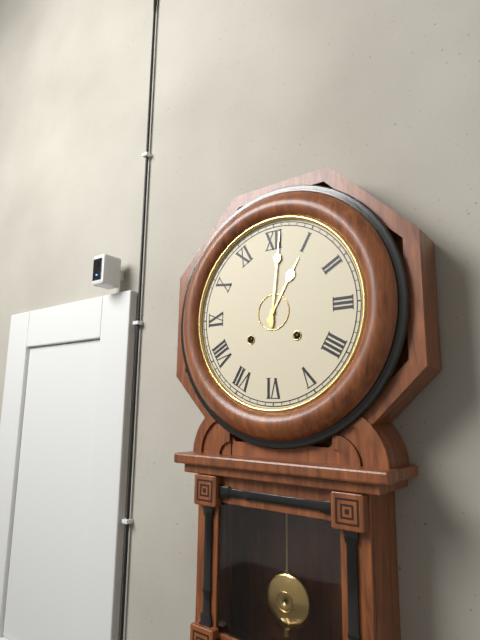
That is 1.01
